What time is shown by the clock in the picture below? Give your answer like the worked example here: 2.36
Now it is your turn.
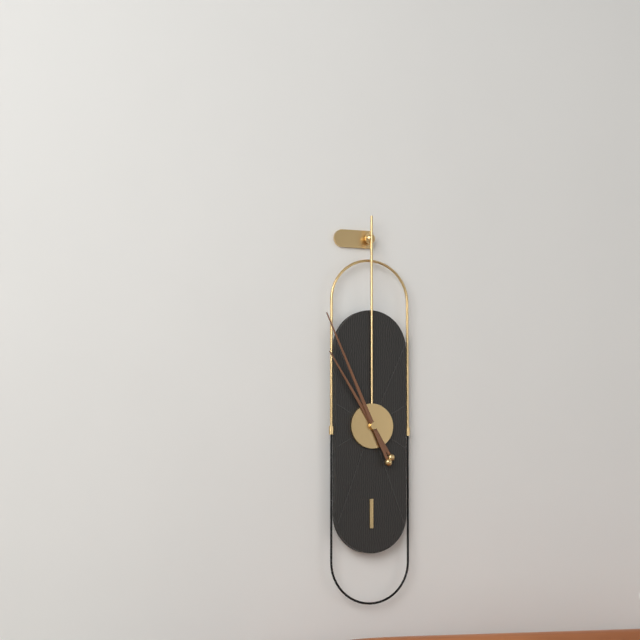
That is 10.56
